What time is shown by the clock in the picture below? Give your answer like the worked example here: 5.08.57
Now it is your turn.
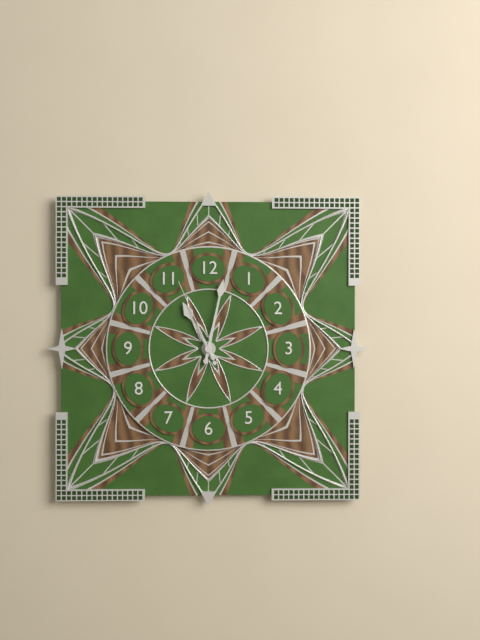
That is 11.02.56
